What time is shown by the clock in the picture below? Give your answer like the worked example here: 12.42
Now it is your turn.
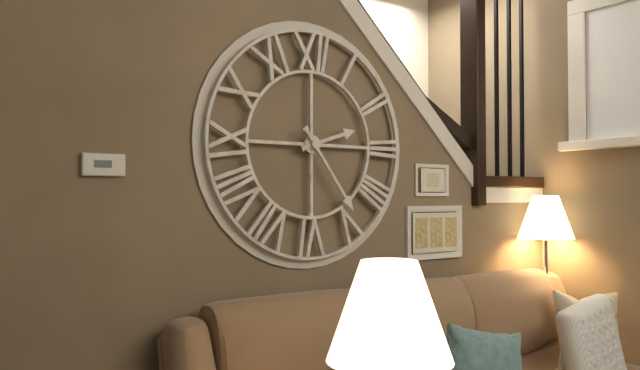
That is 2.24
